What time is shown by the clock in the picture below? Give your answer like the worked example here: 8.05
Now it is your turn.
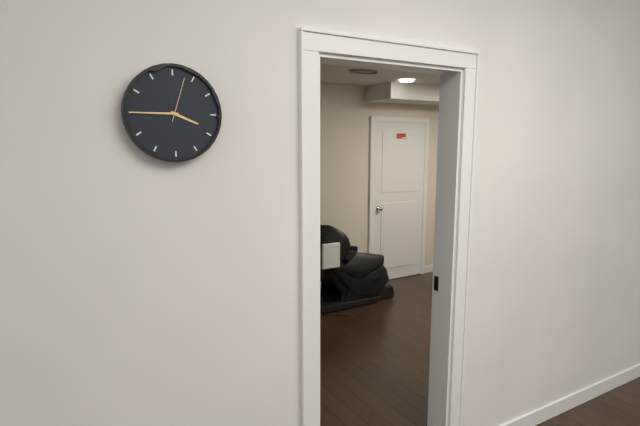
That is 3.45
